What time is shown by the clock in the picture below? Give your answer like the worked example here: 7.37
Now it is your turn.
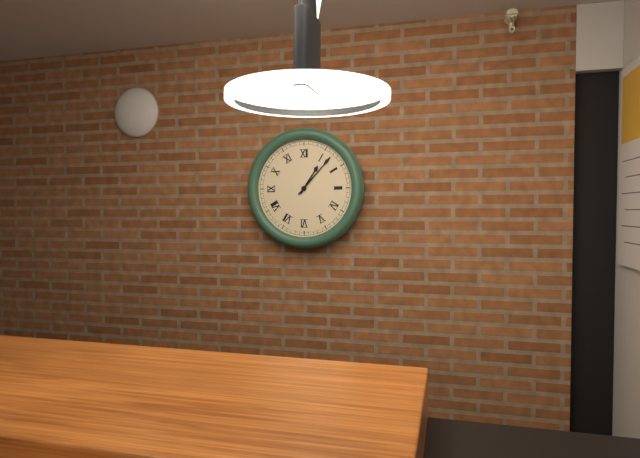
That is 1.07
